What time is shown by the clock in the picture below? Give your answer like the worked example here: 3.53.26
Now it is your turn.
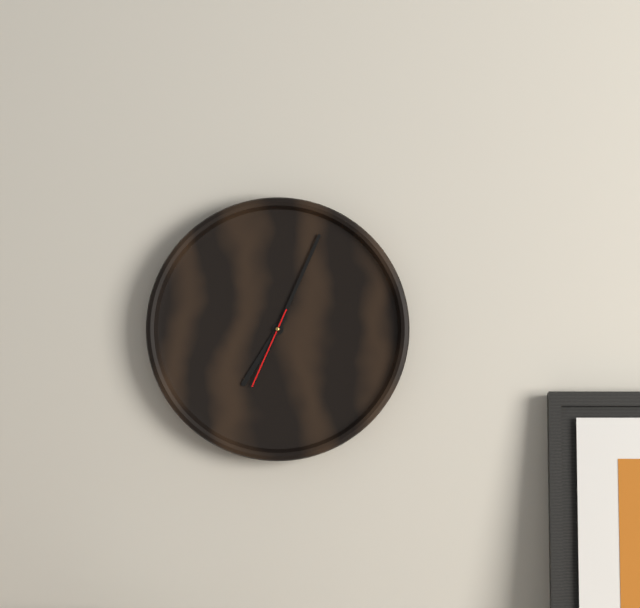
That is 7.04.34
